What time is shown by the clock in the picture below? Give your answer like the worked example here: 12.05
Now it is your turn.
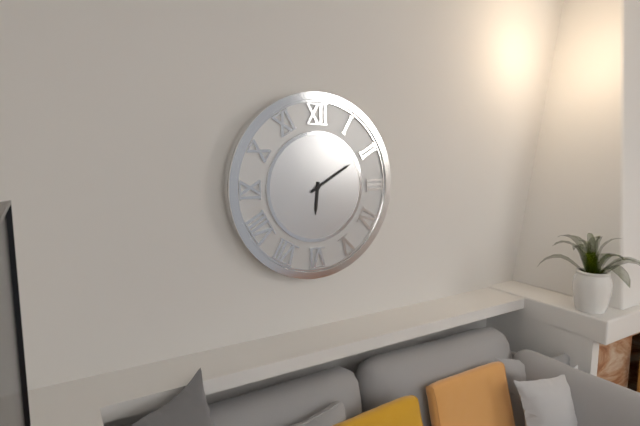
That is 6.10
